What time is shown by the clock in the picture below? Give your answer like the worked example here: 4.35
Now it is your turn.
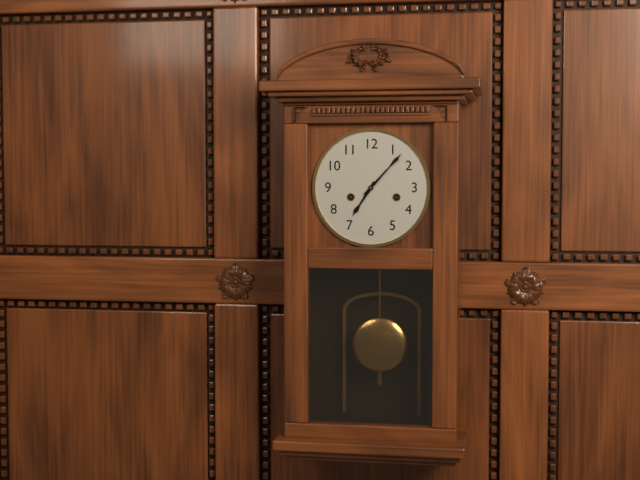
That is 7.07
